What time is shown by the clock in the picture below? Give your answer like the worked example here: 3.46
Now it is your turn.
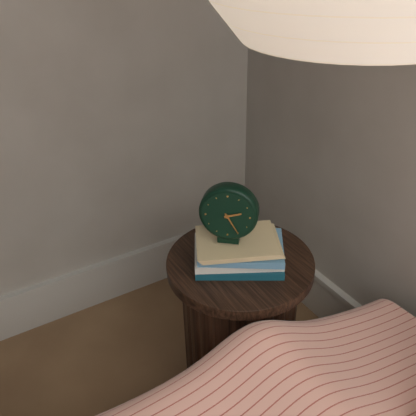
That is 2.25
